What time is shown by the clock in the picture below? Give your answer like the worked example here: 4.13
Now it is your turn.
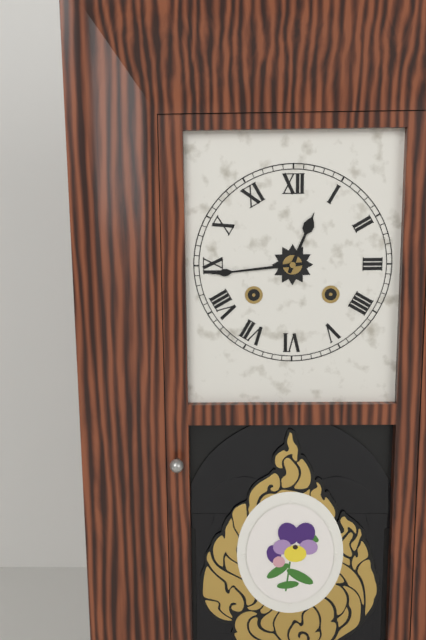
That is 12.44
